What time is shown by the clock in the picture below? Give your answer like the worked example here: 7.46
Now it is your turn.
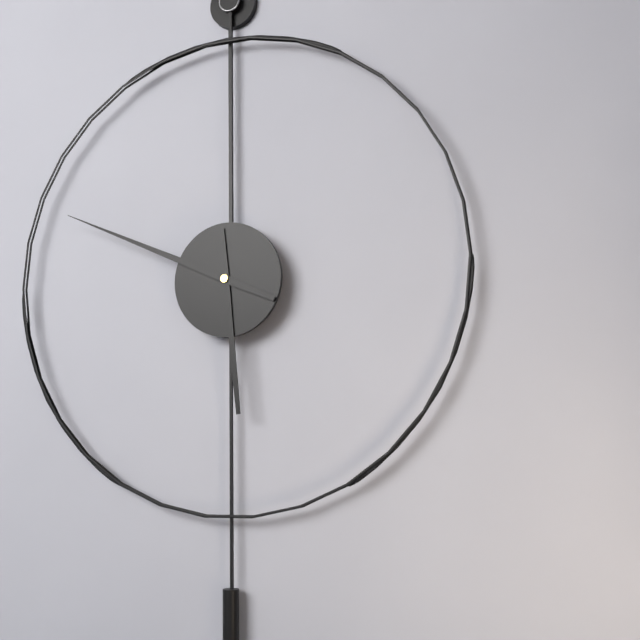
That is 5.49
